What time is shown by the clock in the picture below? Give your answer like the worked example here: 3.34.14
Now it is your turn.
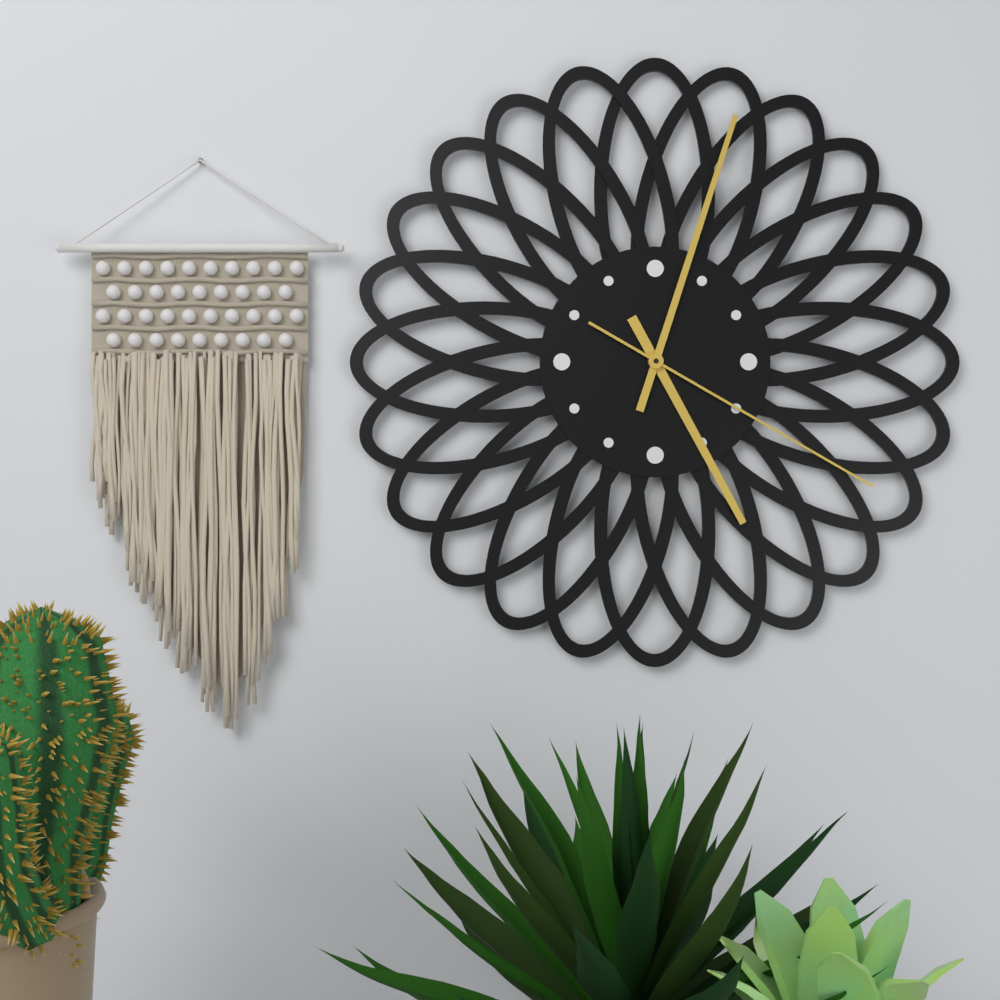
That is 5.03.20
